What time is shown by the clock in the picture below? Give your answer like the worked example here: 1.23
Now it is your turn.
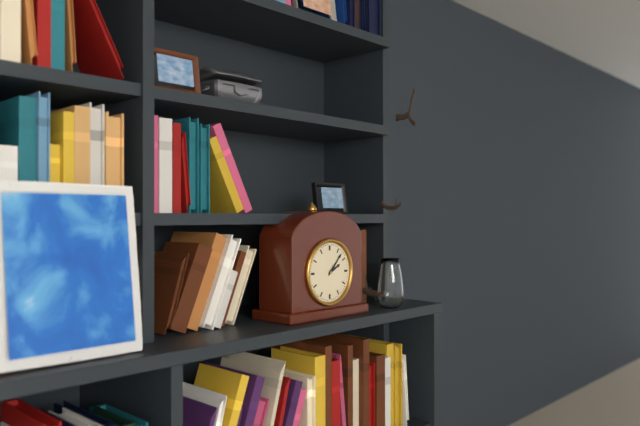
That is 2.07
